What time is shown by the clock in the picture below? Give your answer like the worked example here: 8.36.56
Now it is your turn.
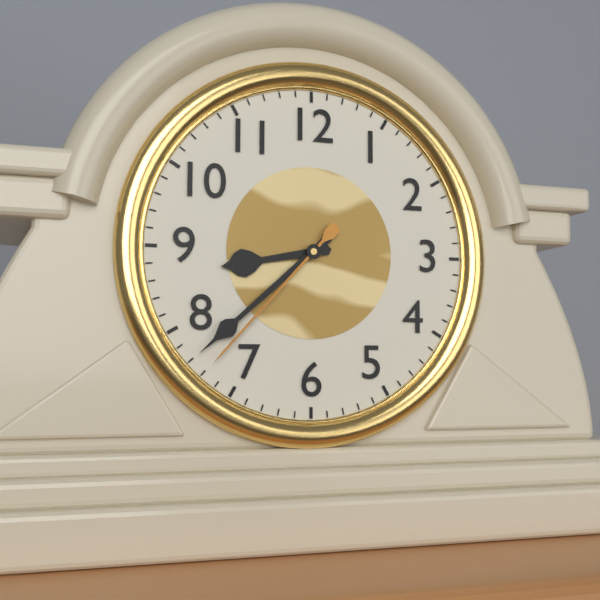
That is 8.38.37
